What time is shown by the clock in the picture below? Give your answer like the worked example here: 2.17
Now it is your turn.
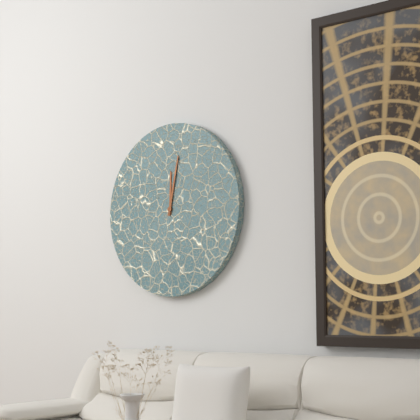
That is 12.02
